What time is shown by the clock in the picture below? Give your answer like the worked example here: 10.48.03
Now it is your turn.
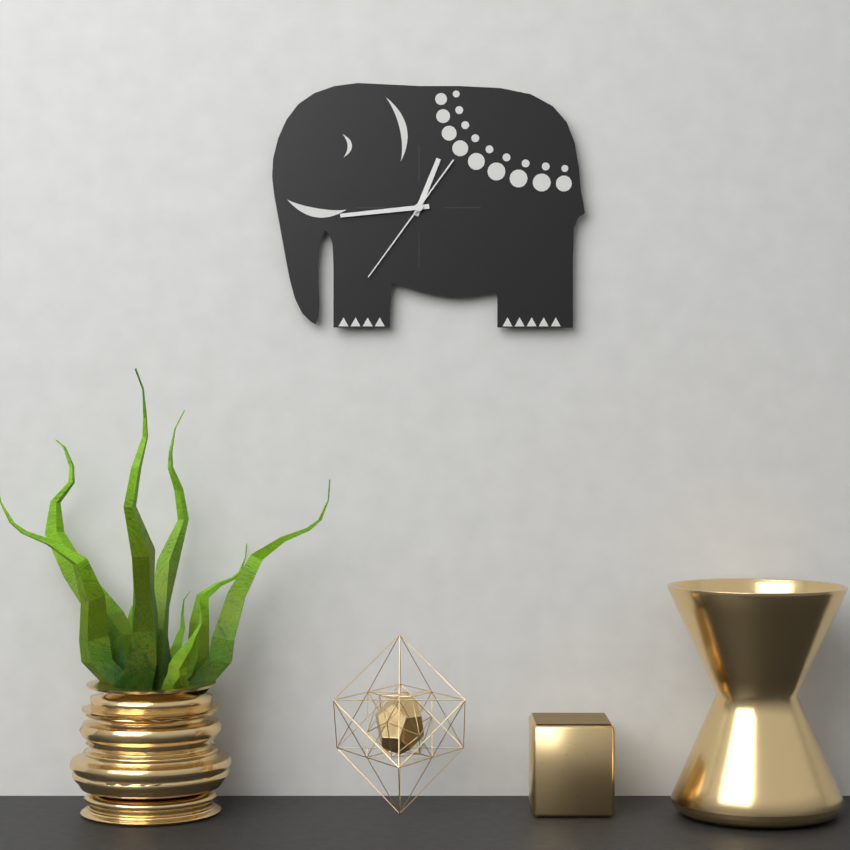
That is 12.44.36
